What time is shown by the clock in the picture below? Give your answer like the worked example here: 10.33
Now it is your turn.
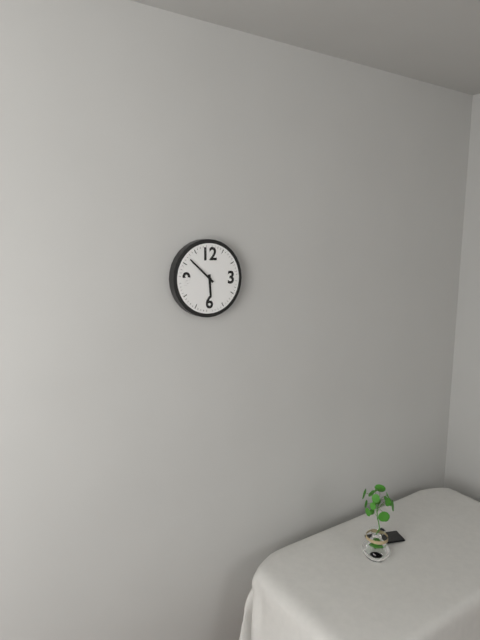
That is 5.52
